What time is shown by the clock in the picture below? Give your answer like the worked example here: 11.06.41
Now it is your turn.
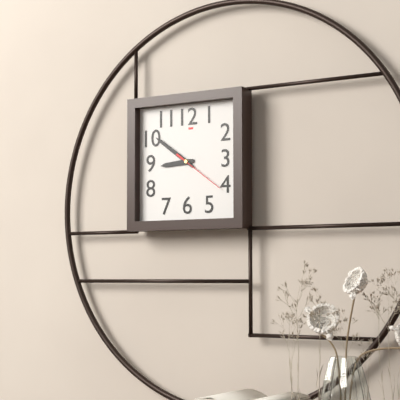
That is 8.51.21
